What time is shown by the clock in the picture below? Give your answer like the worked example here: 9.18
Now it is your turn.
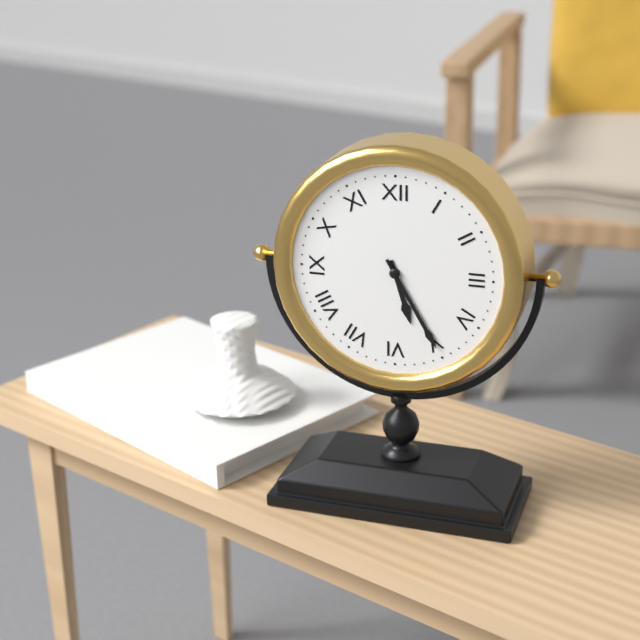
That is 5.25
